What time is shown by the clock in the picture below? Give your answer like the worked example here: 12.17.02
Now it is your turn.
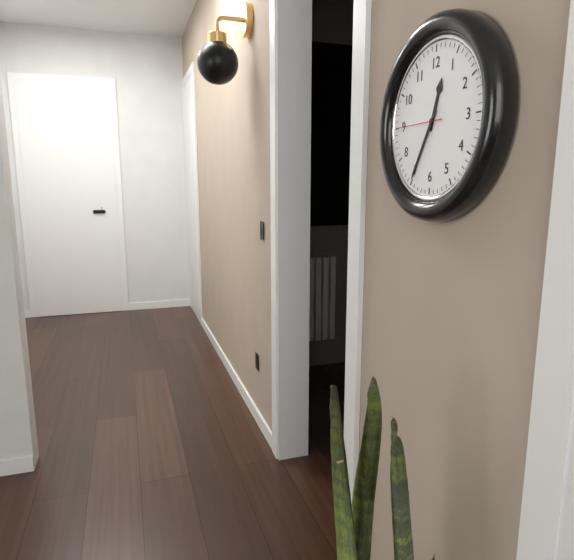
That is 12.35.45
